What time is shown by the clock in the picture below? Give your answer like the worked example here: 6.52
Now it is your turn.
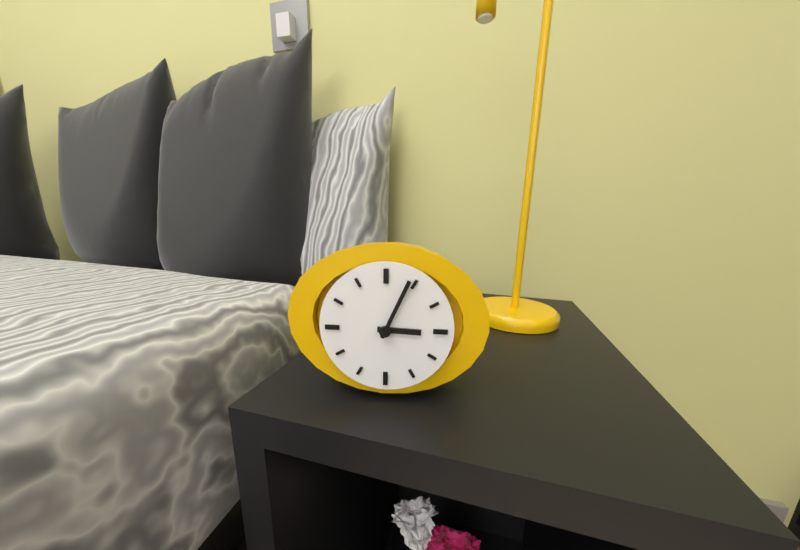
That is 3.04
